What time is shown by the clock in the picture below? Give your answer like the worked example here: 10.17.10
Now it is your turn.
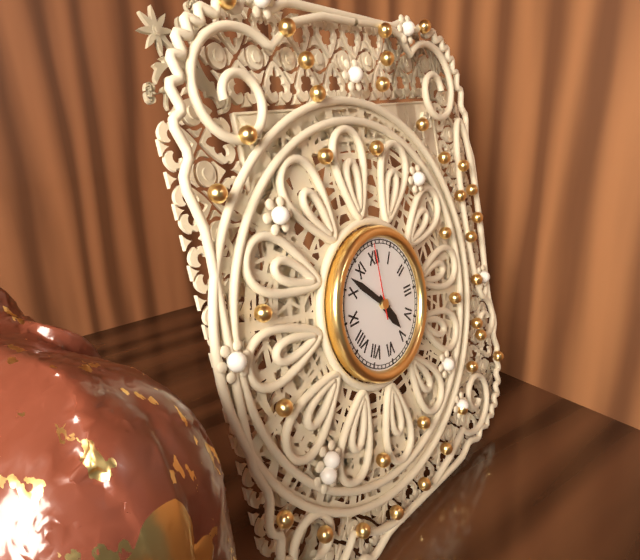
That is 4.52.00
